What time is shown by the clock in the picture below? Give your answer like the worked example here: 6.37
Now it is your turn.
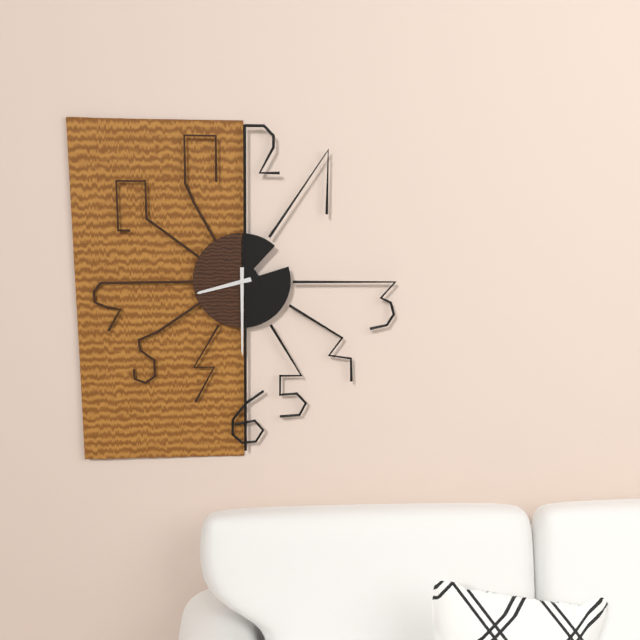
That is 8.30
